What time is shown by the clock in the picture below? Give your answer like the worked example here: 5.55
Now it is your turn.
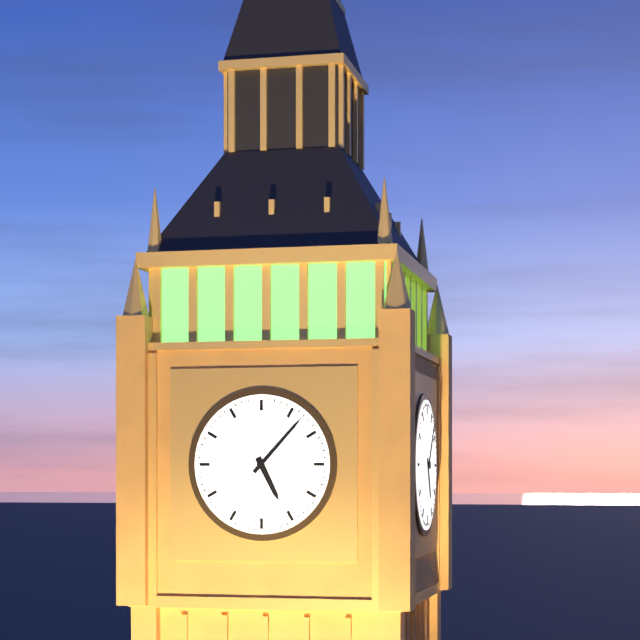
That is 5.07
